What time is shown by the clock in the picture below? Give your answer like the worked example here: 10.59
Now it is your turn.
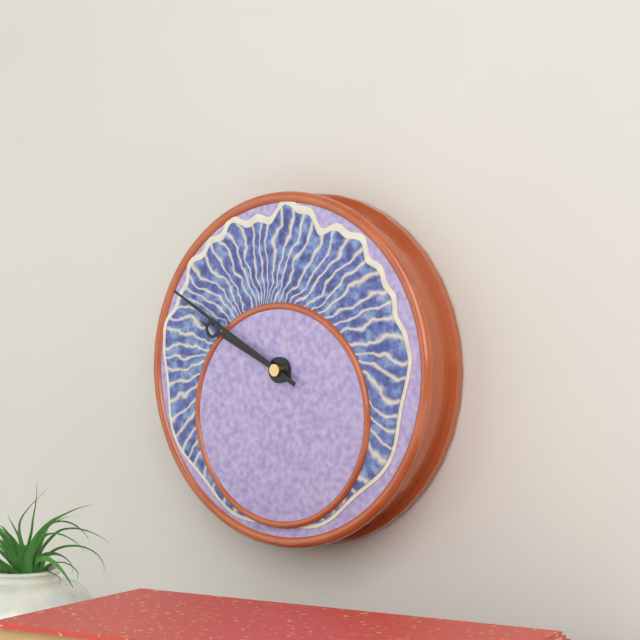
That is 9.50
